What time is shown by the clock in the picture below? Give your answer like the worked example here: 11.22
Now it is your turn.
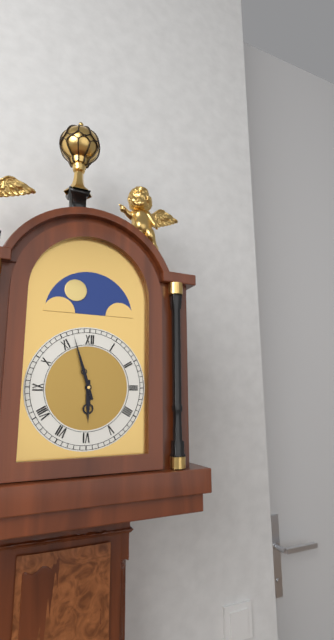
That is 5.57
